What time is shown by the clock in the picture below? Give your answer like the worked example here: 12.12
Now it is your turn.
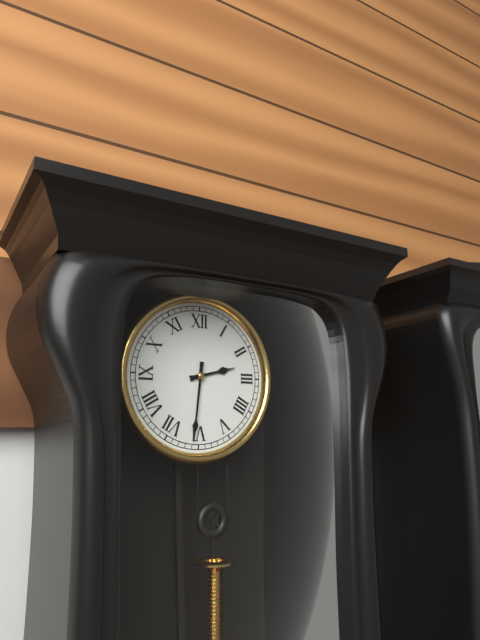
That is 2.31
